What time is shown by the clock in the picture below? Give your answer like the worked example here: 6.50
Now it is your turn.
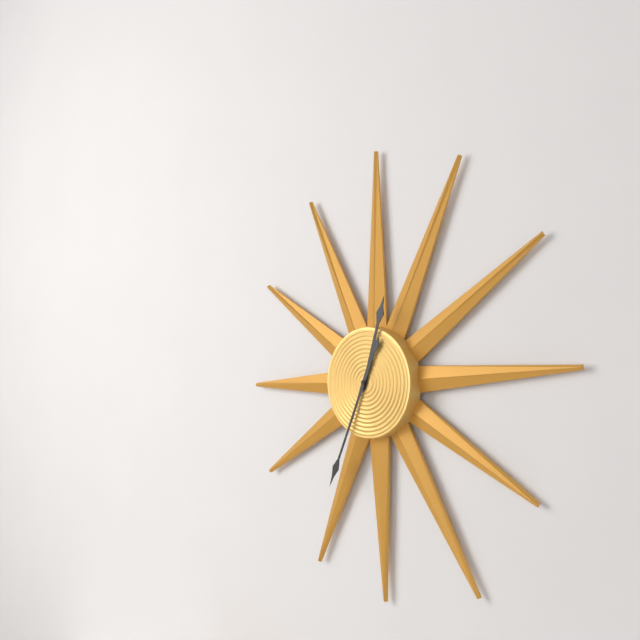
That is 12.34
